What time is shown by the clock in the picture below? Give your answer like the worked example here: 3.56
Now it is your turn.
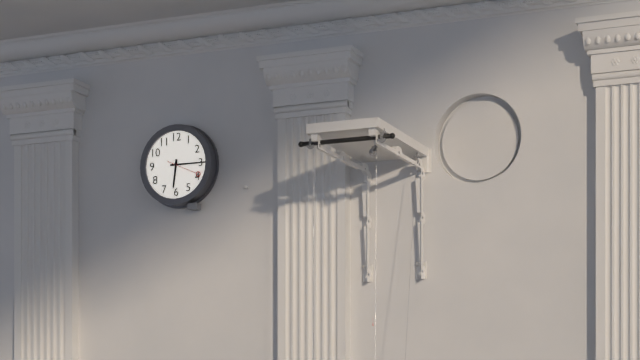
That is 6.15
